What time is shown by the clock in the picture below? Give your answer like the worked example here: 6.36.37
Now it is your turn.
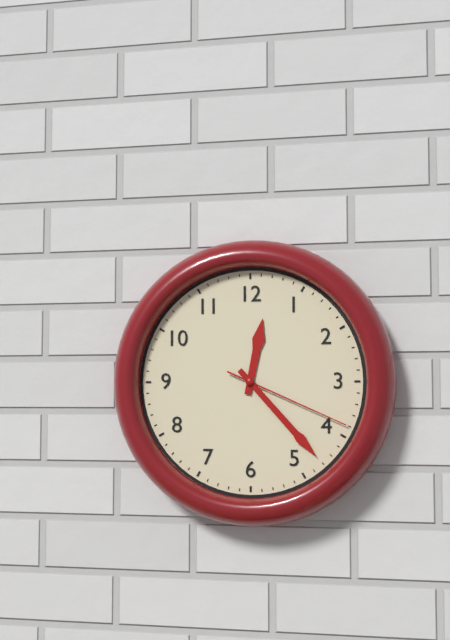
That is 12.23.19
